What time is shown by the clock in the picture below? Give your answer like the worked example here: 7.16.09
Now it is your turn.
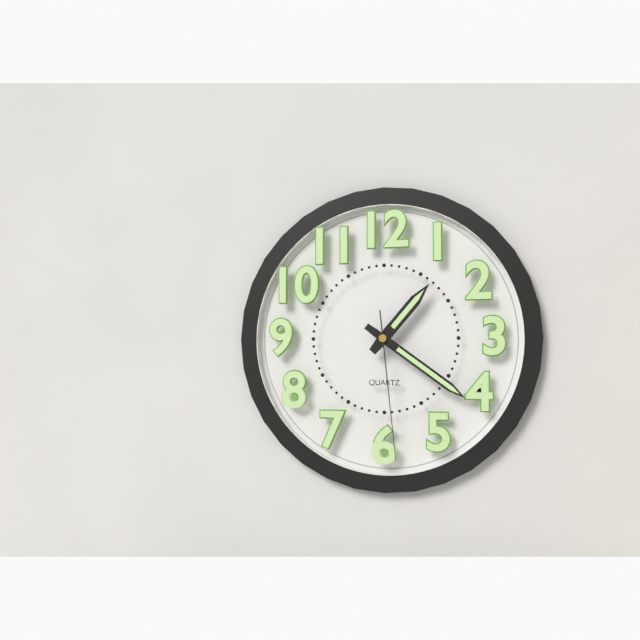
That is 1.21.29
